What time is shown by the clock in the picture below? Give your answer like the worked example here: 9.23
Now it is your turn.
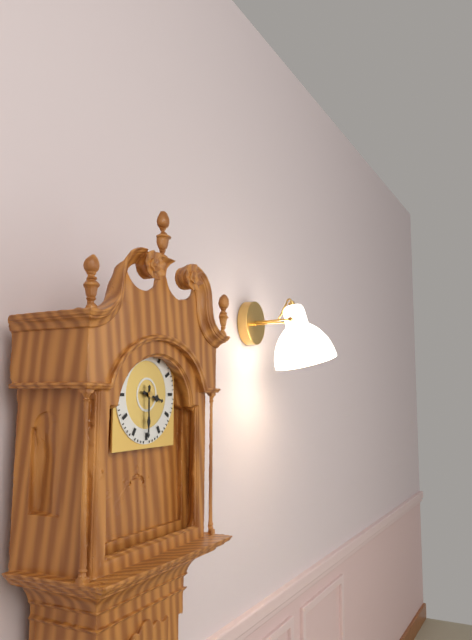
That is 3.30
